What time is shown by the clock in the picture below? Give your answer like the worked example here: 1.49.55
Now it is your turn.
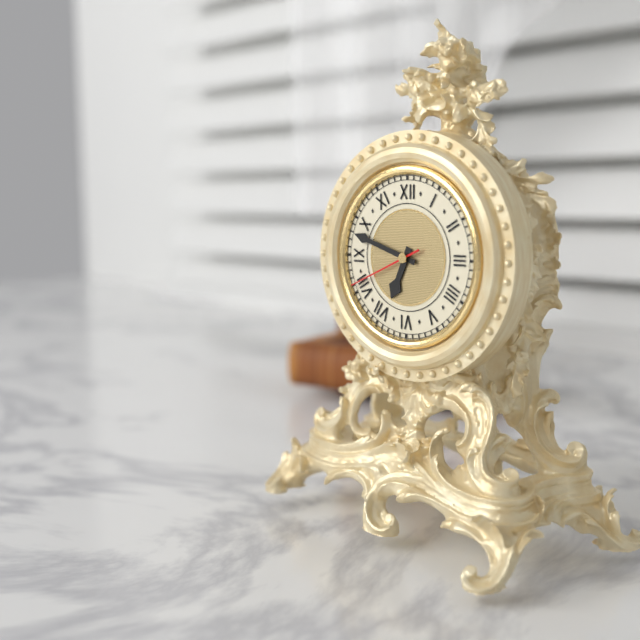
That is 6.48.41
